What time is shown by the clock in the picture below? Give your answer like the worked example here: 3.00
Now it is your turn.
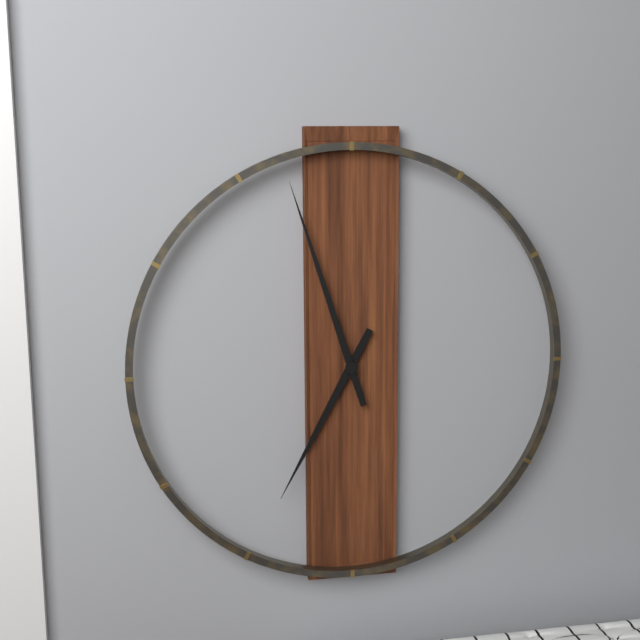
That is 6.57
